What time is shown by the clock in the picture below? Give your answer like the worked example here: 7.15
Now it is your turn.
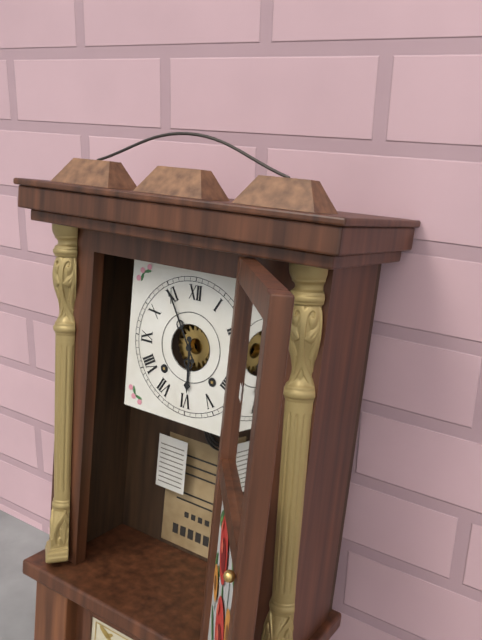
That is 5.55
